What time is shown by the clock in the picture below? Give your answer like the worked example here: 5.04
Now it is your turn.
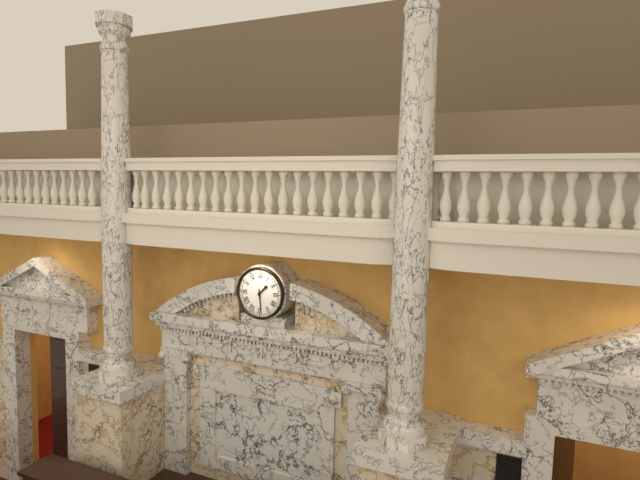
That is 1.29
